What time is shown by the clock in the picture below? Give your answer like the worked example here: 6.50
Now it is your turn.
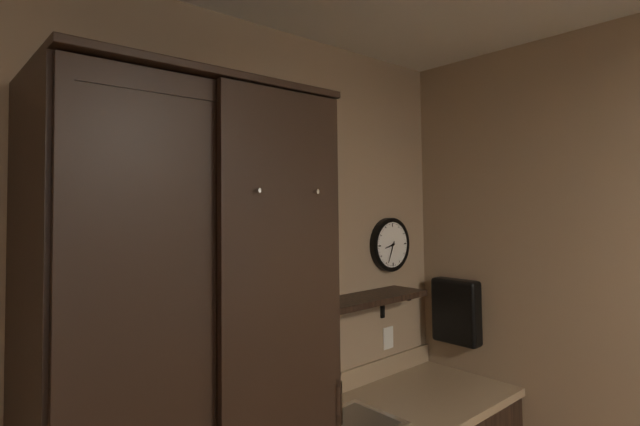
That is 8.34
